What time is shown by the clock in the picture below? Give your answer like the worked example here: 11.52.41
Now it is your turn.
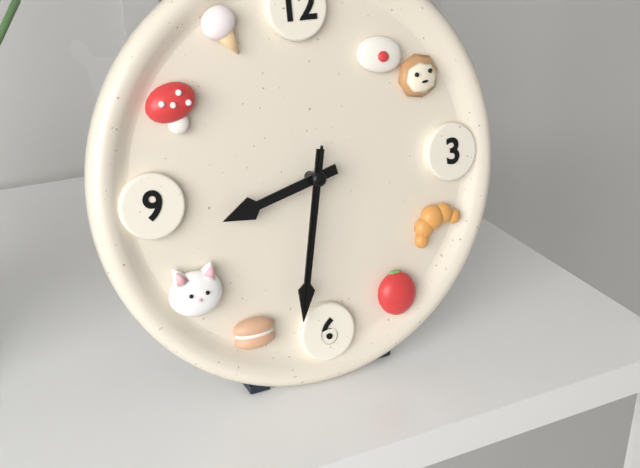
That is 8.32.32
